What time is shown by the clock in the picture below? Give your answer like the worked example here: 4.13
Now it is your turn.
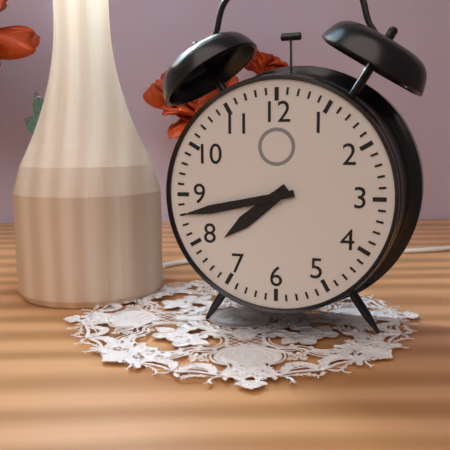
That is 7.43
